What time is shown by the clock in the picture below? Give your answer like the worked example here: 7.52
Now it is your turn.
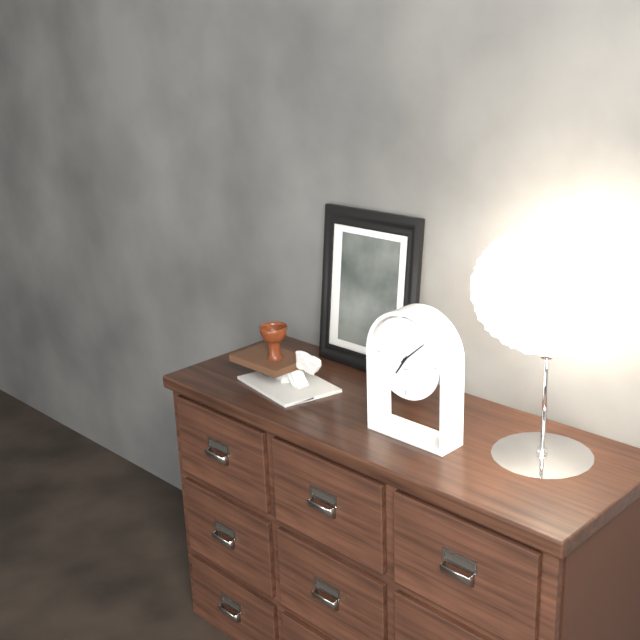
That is 7.08
